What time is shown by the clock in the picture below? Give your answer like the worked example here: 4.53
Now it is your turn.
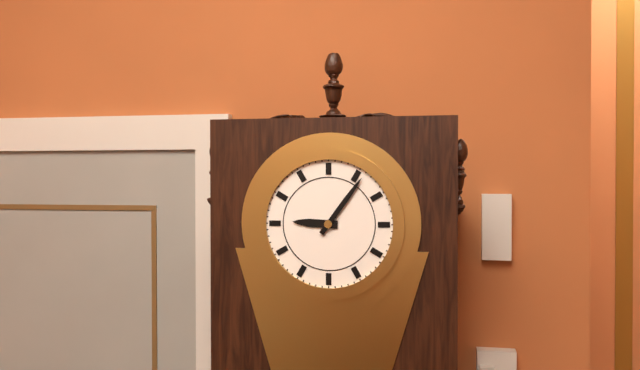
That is 9.06
